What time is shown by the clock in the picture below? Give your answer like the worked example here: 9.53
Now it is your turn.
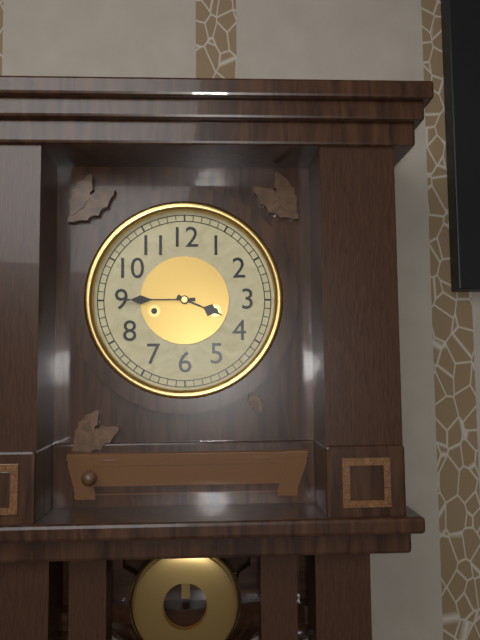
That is 3.45
